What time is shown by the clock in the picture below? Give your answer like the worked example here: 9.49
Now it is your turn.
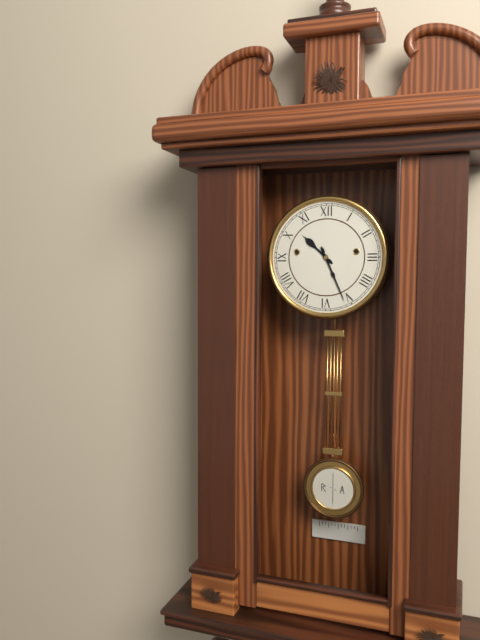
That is 10.26
